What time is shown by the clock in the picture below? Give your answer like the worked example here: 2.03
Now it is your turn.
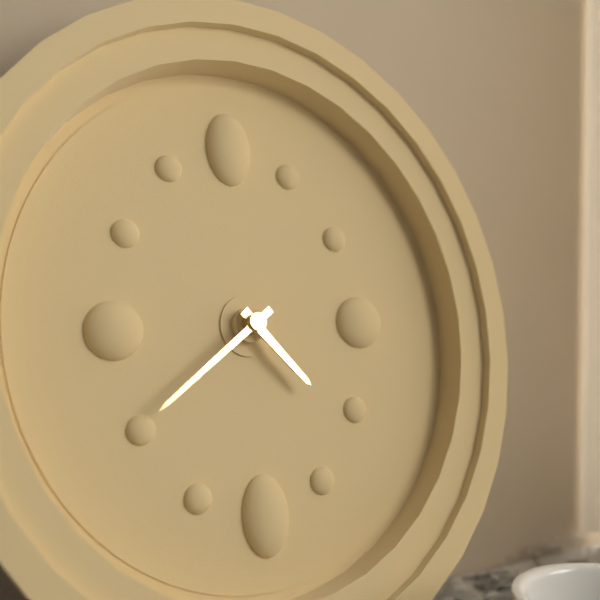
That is 4.39
